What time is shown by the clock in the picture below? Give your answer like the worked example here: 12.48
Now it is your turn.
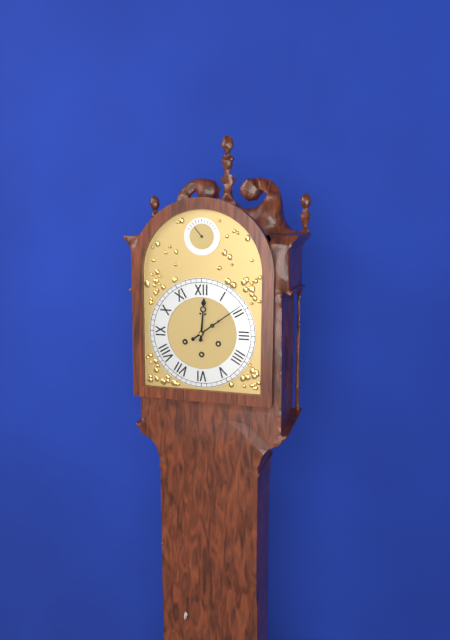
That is 12.09
